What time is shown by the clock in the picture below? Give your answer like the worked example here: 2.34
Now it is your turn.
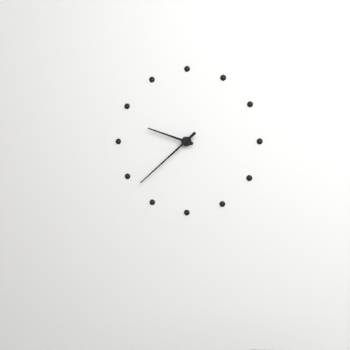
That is 9.38
